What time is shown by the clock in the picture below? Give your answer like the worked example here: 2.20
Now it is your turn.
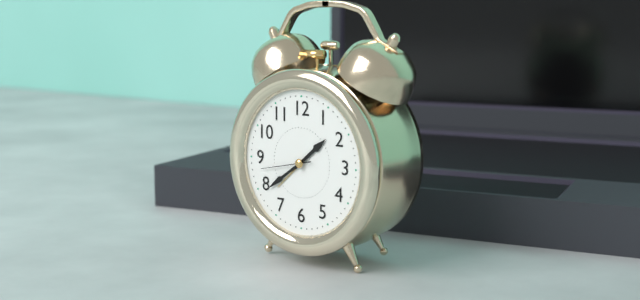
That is 1.39
